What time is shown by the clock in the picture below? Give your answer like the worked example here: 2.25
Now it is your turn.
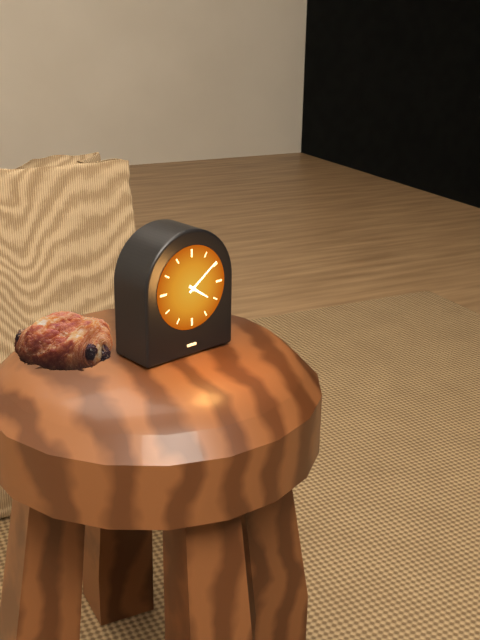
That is 4.09
